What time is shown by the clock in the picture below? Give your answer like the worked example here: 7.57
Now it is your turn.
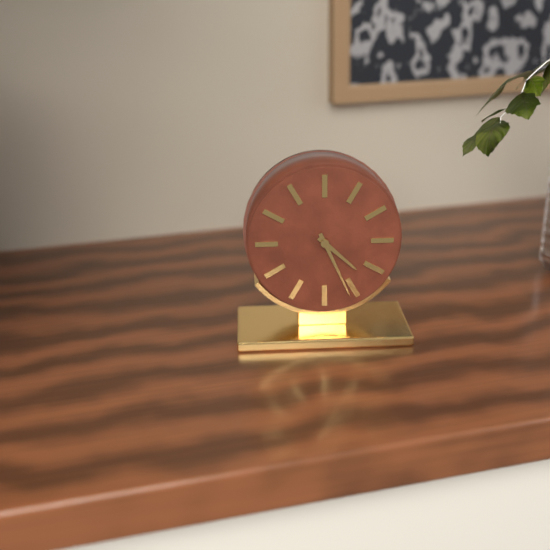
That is 4.26
